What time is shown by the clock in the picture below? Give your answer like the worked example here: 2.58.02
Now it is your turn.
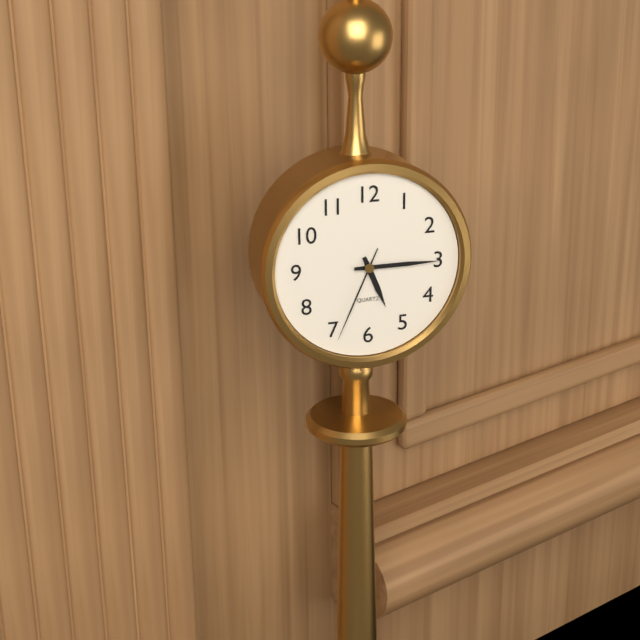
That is 5.15.34
